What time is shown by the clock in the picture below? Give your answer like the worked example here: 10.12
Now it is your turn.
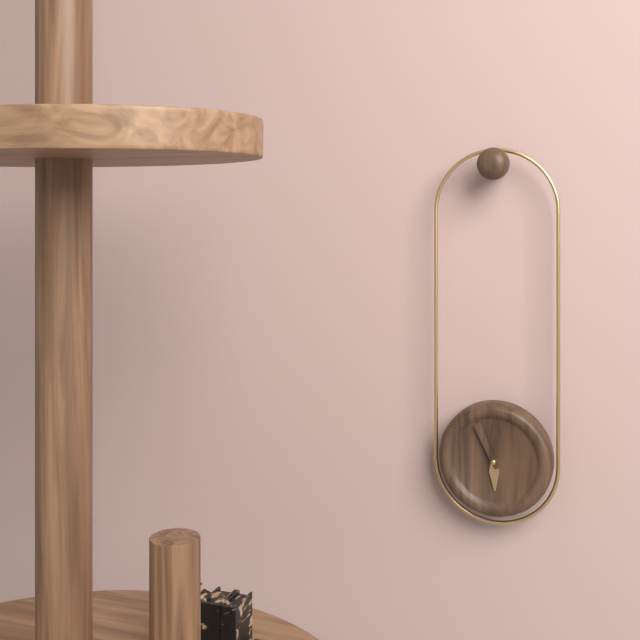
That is 5.56
